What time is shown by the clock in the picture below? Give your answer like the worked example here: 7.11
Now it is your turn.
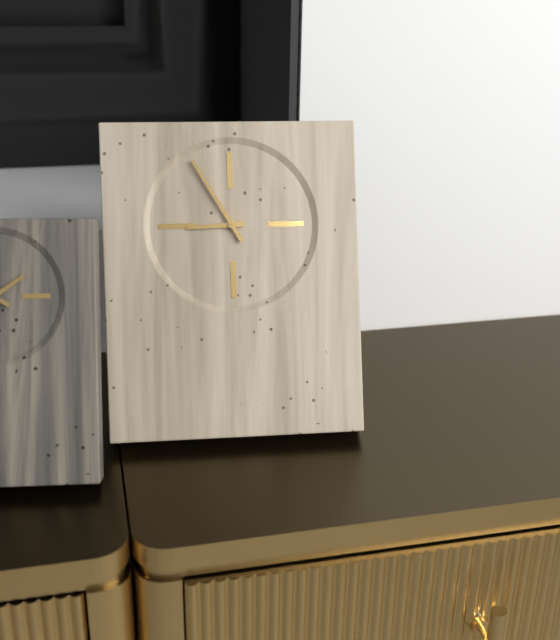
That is 8.55
